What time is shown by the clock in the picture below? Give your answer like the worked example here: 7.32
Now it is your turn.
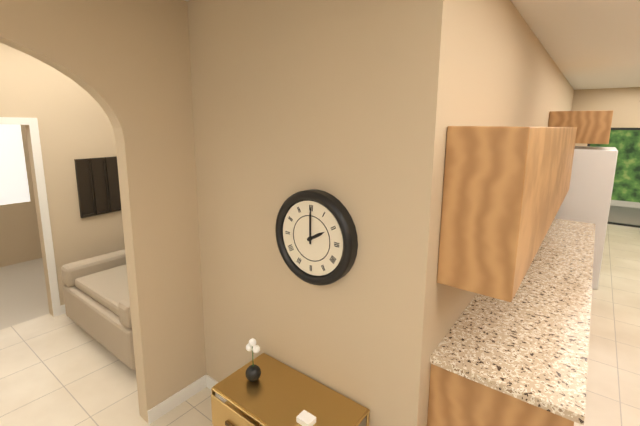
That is 2.00
